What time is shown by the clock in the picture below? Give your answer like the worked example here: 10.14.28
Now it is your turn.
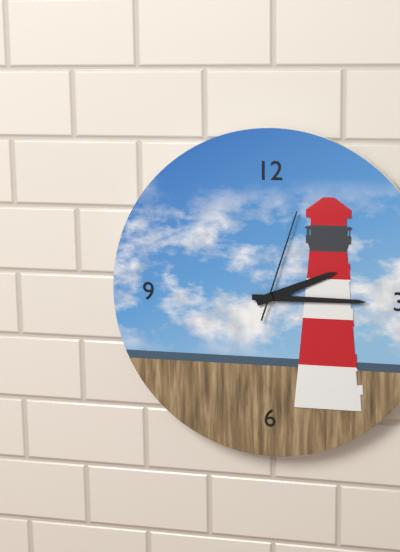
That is 2.15.03
